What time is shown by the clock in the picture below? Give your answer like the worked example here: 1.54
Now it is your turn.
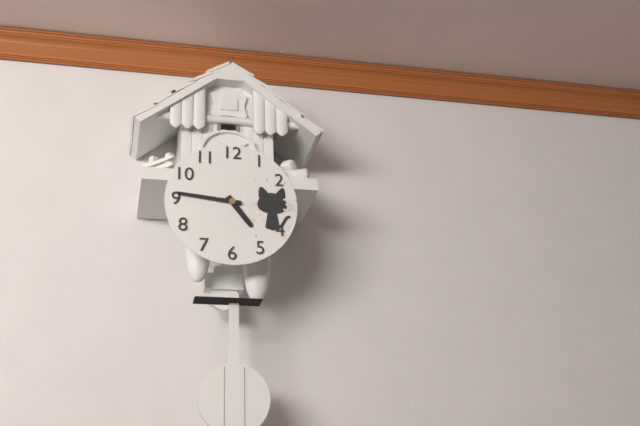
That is 4.46
